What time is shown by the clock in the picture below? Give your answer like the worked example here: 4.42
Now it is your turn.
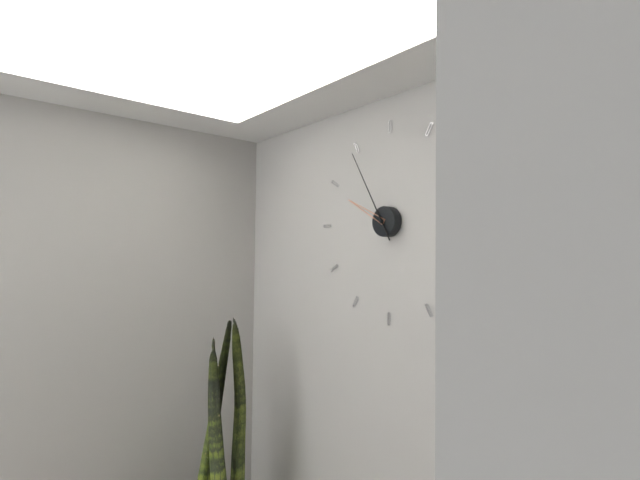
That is 9.55
